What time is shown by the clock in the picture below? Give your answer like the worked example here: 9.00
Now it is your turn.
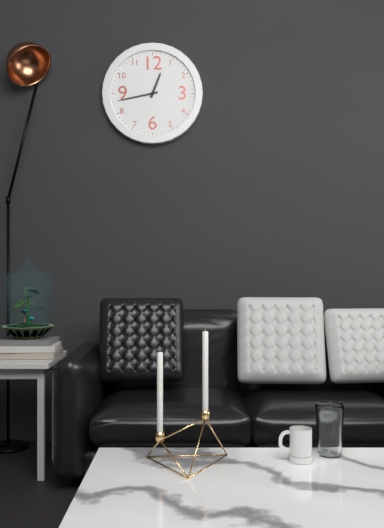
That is 12.43
